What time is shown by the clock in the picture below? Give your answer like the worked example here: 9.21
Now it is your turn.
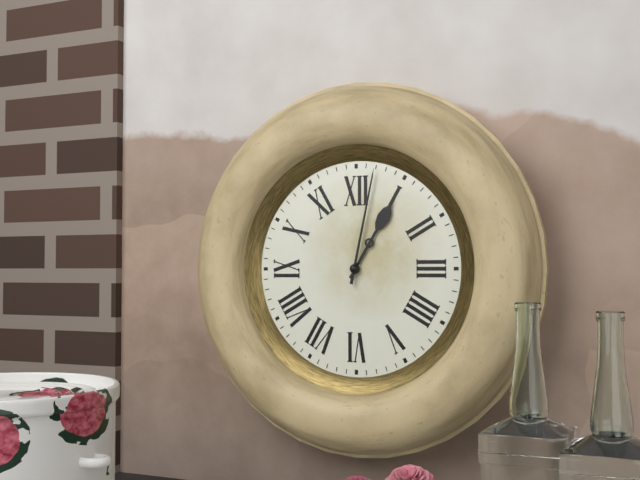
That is 1.02
